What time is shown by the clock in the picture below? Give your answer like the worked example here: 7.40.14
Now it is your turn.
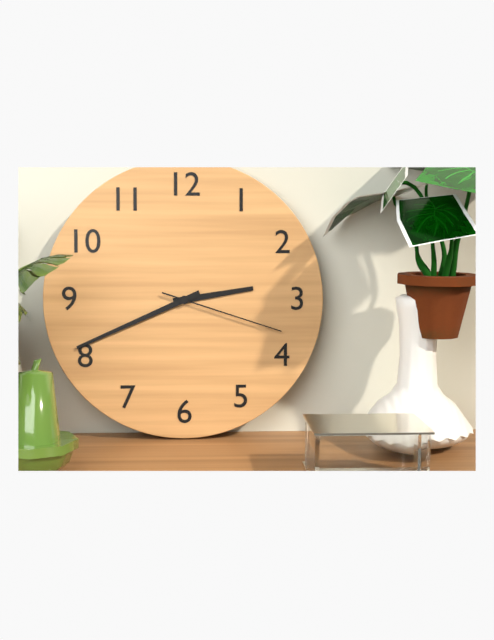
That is 2.41.18
